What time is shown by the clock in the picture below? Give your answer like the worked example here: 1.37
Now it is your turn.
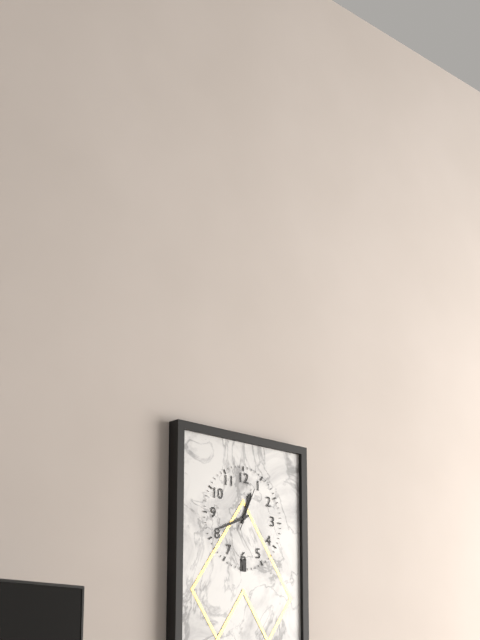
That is 12.41
